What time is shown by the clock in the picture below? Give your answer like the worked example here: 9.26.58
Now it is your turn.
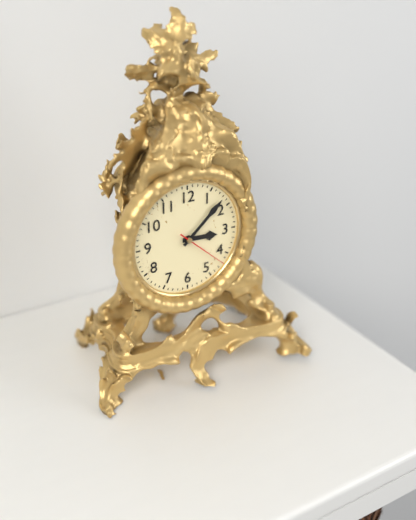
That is 3.08.22
